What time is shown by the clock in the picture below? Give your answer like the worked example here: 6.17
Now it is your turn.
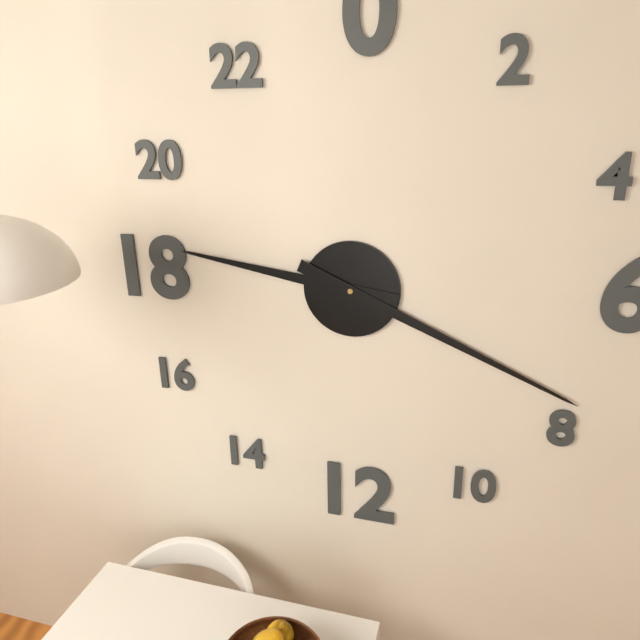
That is 9.19
